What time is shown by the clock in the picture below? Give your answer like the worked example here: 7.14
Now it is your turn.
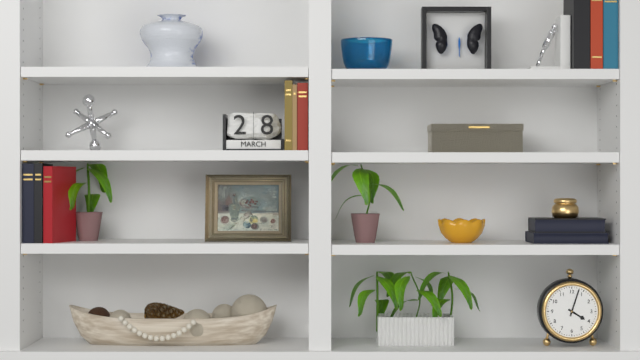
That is 4.03
